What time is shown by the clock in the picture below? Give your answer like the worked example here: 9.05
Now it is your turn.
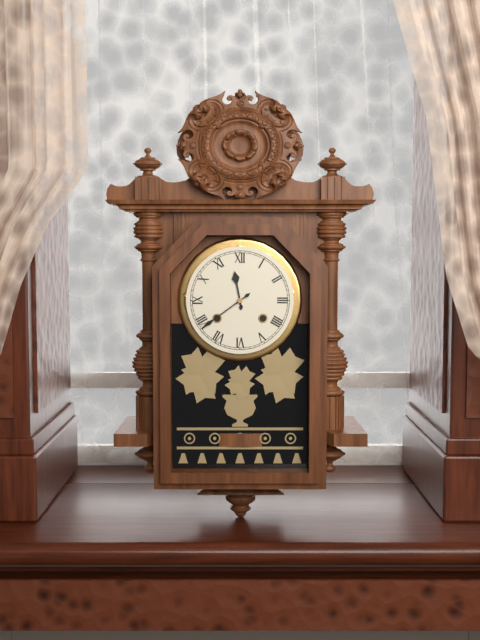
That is 11.39
